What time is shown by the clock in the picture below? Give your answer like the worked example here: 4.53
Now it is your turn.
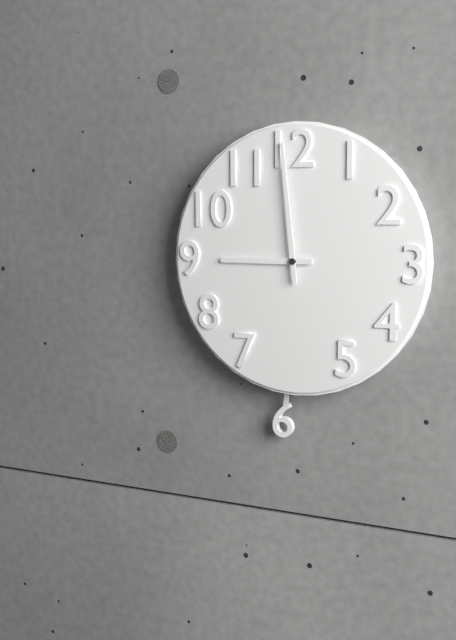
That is 8.59
